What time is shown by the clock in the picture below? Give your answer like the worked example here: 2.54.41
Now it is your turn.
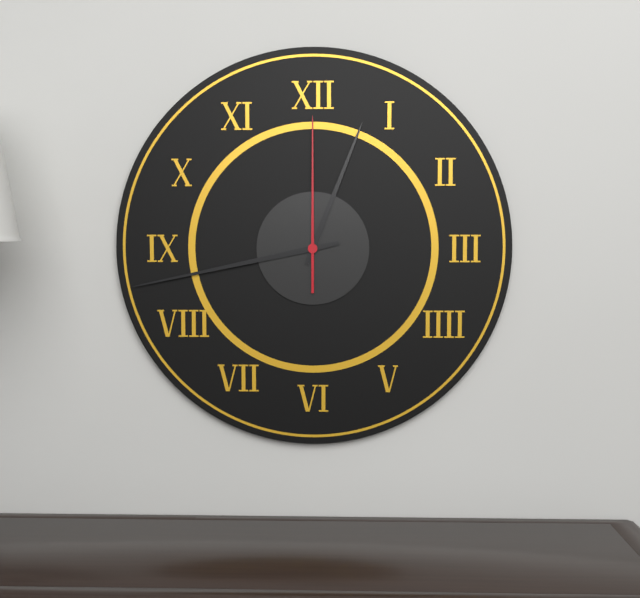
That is 12.43.00
